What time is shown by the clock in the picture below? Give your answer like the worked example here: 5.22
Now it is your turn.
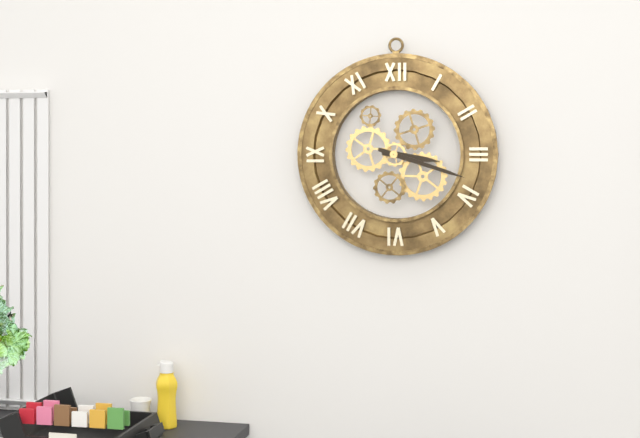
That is 3.18
